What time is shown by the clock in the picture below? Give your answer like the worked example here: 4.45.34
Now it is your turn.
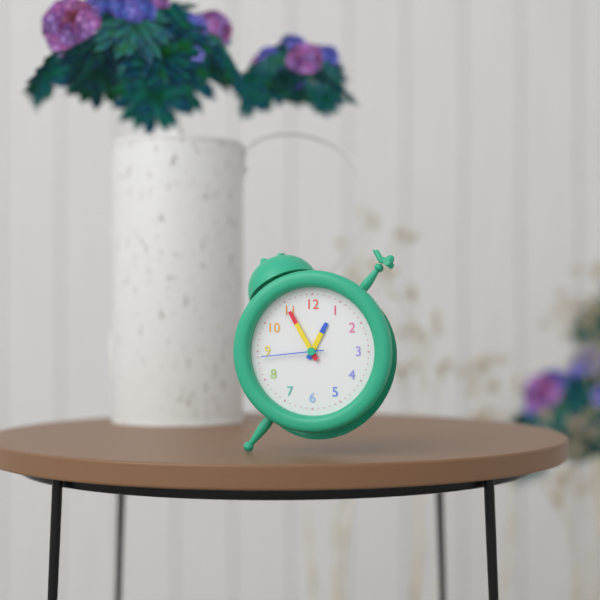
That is 12.55.44
